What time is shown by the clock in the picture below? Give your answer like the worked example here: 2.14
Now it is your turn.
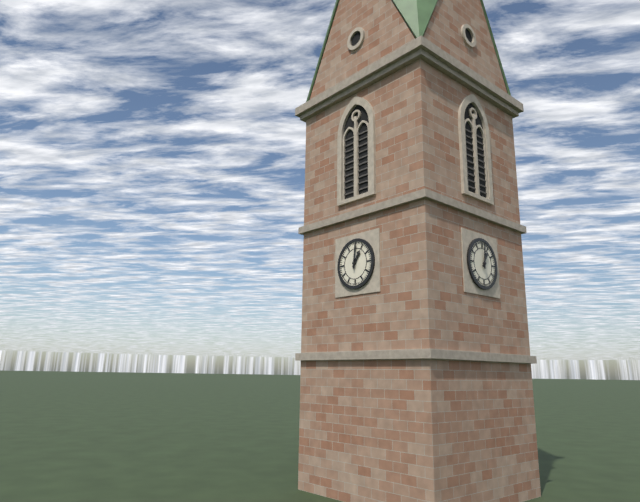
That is 1.01
